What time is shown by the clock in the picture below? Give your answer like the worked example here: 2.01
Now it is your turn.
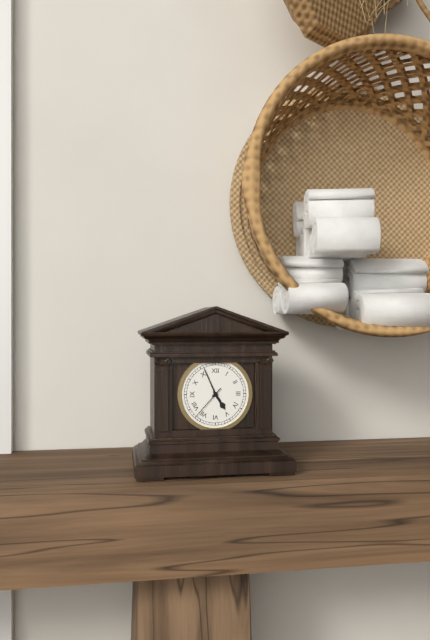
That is 4.56
